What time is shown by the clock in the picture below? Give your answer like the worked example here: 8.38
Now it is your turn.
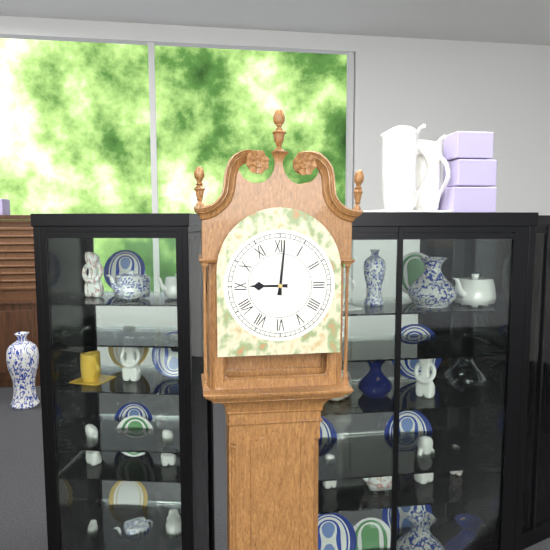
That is 9.01
